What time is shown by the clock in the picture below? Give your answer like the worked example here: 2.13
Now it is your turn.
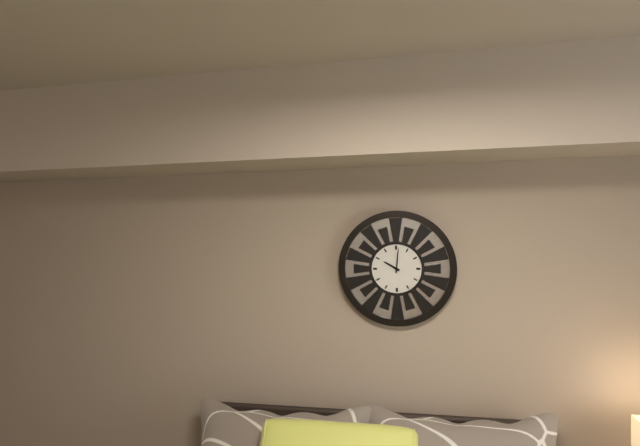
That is 10.01
